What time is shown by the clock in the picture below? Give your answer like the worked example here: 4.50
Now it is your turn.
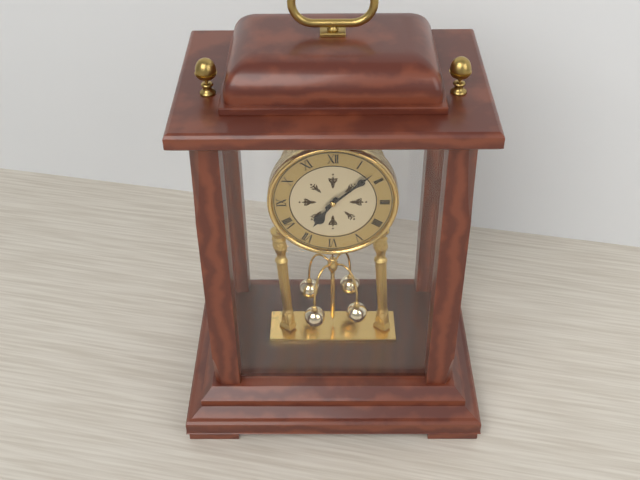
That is 7.08
